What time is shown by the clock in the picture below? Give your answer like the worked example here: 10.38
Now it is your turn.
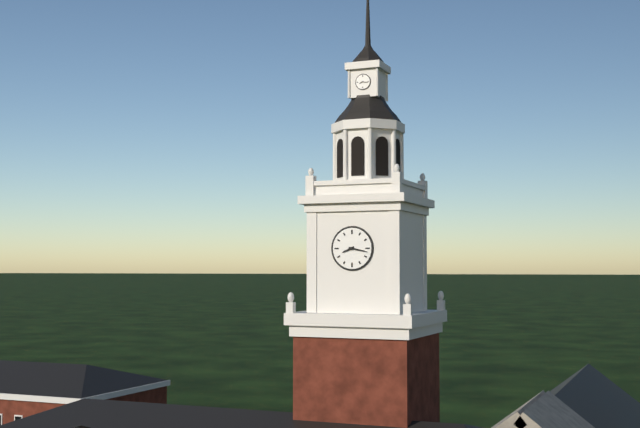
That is 8.17
